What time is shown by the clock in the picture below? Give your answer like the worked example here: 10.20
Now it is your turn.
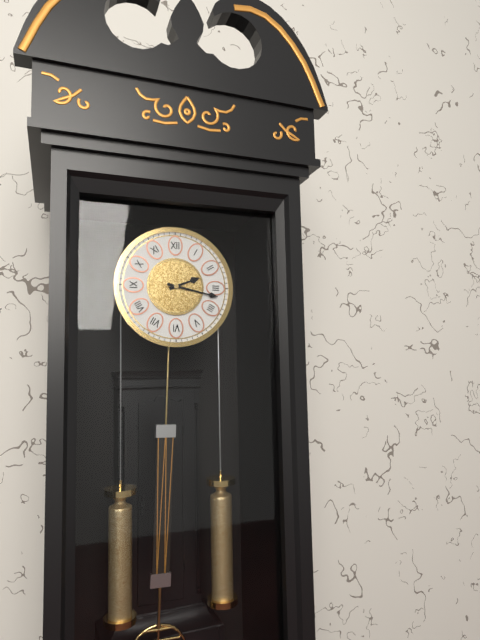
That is 2.17
